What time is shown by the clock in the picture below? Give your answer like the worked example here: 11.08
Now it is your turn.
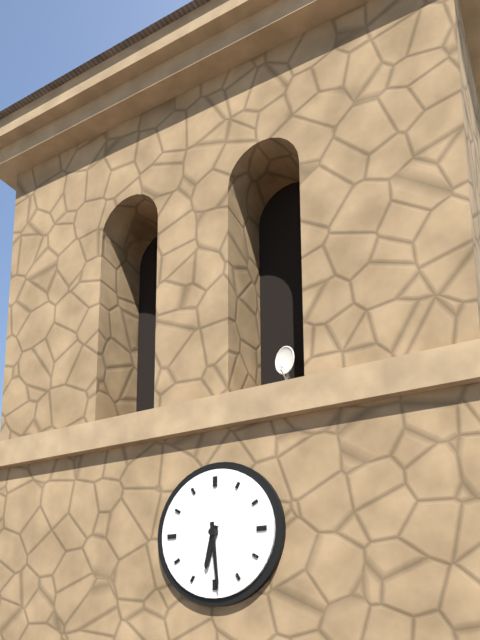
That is 6.29
